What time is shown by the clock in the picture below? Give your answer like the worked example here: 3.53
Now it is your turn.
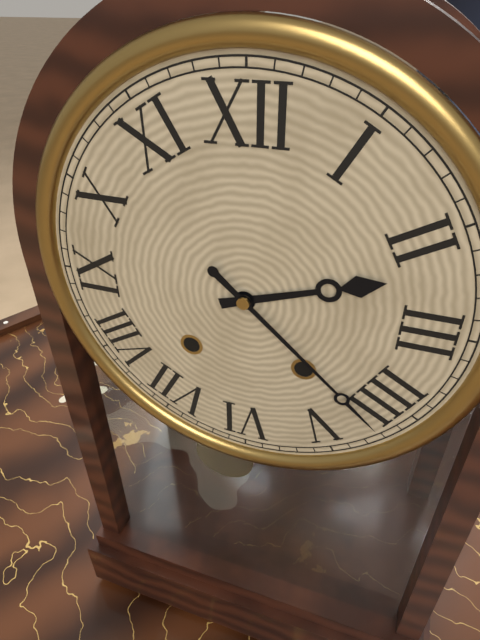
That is 2.22
